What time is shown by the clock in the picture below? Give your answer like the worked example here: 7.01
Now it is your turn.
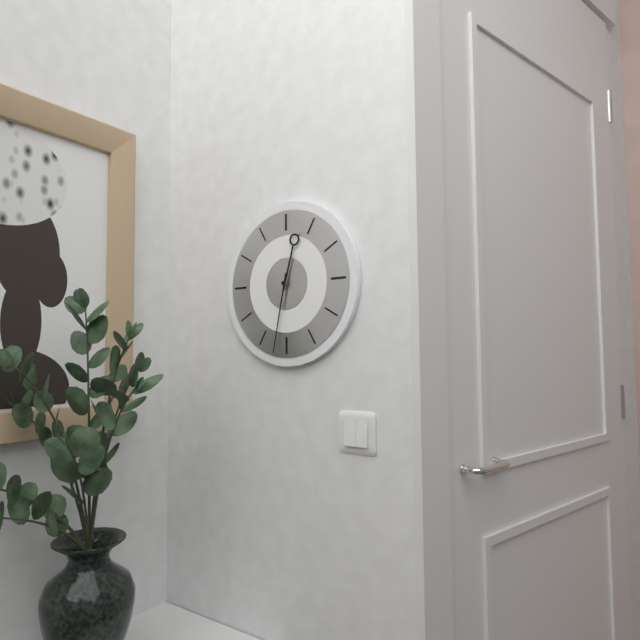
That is 12.32
